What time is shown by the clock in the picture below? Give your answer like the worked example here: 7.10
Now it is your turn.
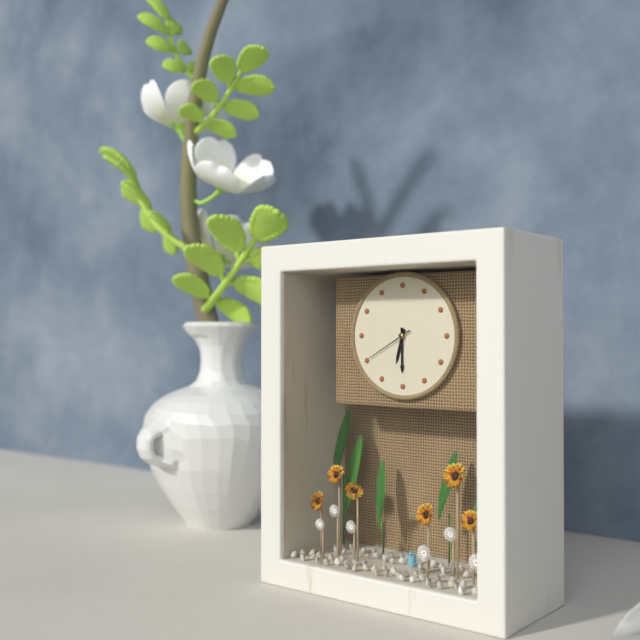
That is 6.30
